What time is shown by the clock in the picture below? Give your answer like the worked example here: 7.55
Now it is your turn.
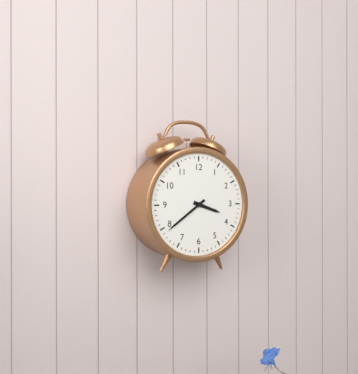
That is 3.39
